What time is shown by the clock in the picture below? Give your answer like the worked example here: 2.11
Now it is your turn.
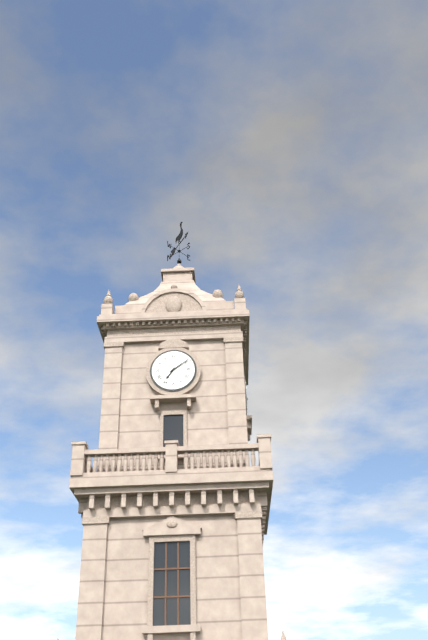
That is 7.09
